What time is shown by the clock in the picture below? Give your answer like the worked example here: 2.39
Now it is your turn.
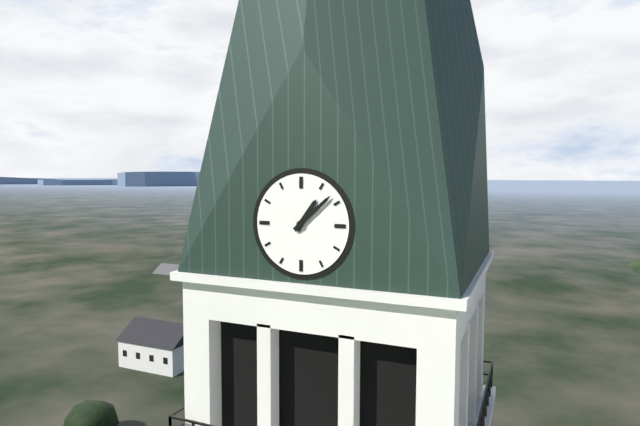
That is 1.08
